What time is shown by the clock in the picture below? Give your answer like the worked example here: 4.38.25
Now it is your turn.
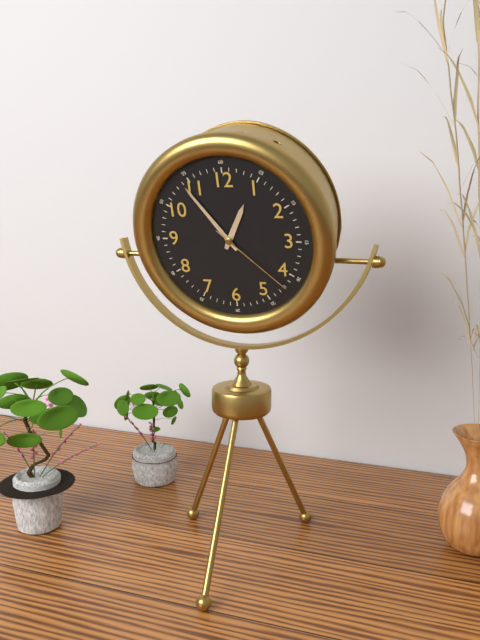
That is 12.54.22
